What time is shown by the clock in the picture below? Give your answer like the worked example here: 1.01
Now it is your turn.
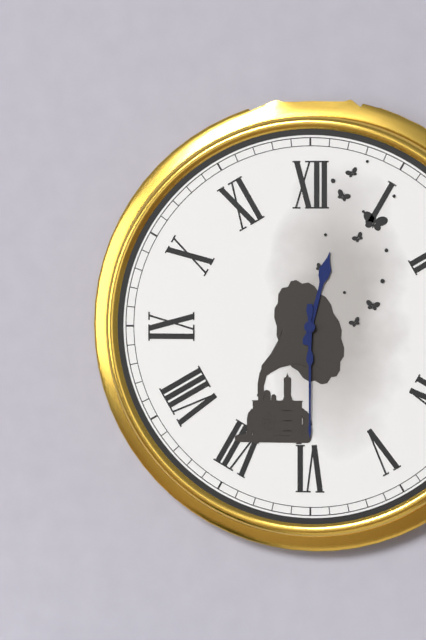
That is 12.30
